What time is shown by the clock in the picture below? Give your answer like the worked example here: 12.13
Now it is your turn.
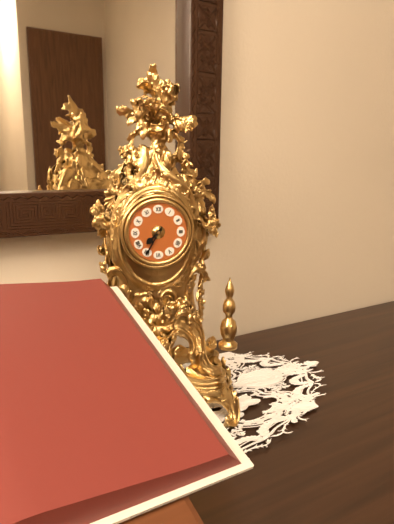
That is 7.35
